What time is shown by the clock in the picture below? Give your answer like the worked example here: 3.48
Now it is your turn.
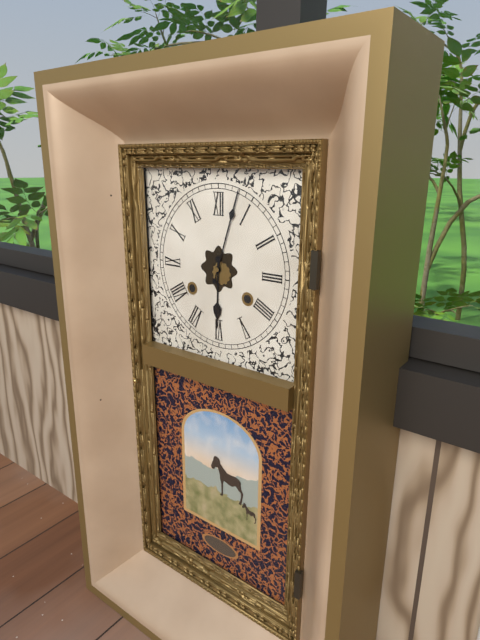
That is 6.03
